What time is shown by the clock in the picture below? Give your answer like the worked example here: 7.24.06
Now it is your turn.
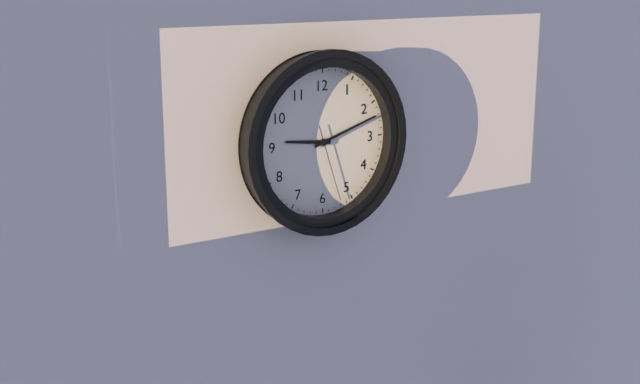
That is 9.12.27
